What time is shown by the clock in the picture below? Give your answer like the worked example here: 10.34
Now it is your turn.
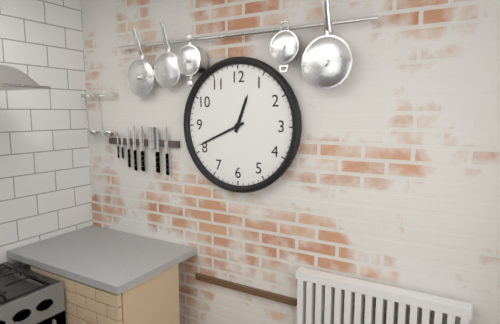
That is 12.41
